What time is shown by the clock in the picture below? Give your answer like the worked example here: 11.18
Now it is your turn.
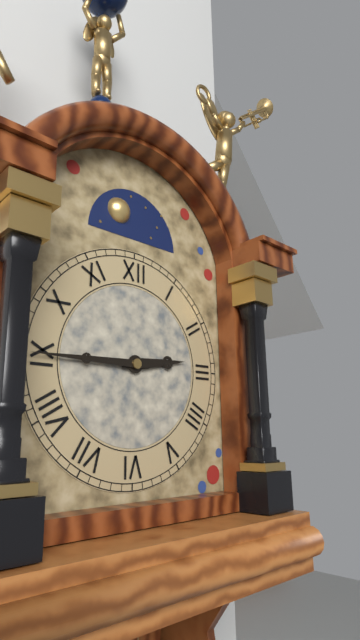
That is 2.45
